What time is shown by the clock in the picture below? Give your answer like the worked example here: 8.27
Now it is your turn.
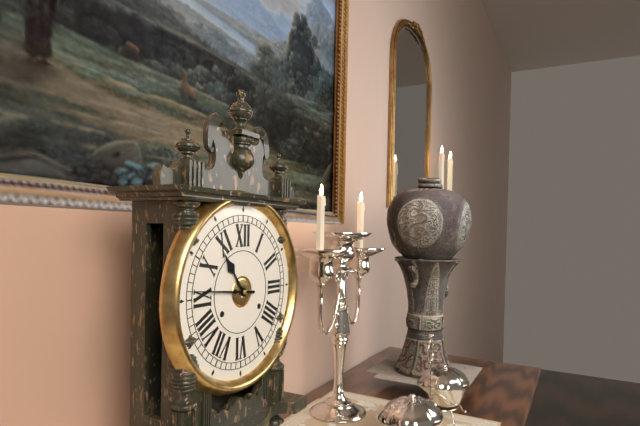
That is 10.46
